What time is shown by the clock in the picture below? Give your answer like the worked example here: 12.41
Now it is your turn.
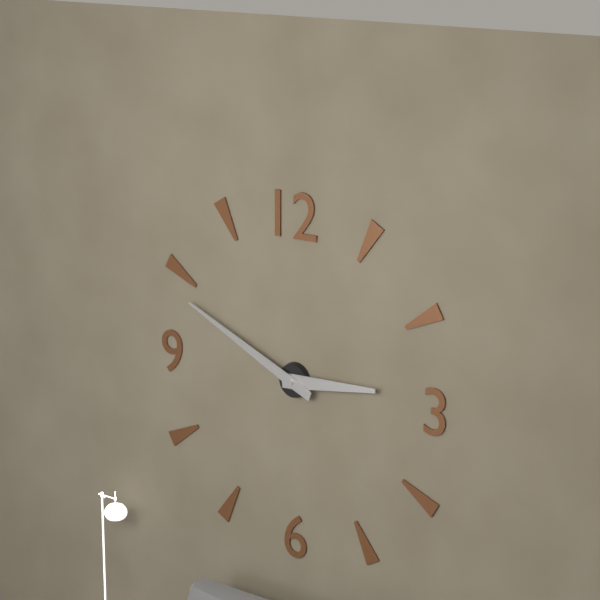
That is 2.49
